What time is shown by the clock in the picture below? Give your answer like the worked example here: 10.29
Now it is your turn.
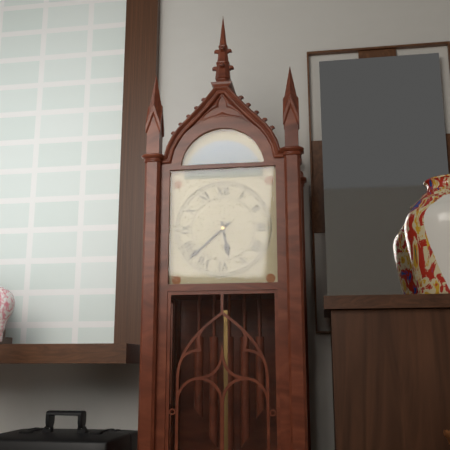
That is 5.38
